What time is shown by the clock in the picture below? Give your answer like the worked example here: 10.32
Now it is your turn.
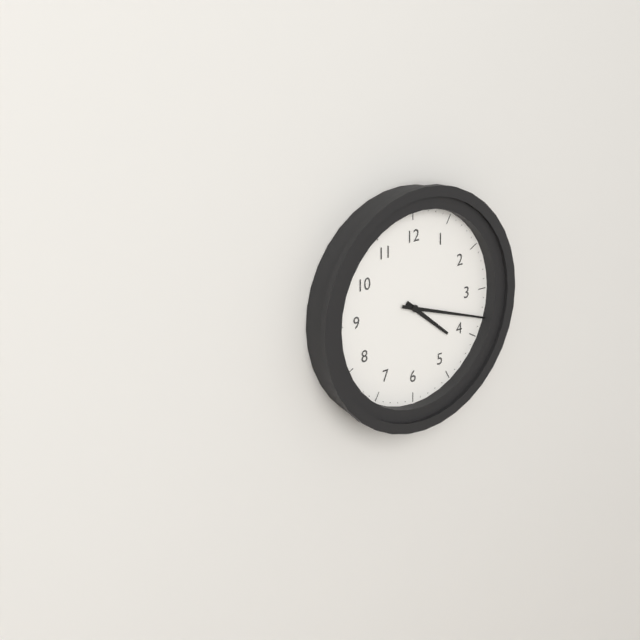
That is 4.18
